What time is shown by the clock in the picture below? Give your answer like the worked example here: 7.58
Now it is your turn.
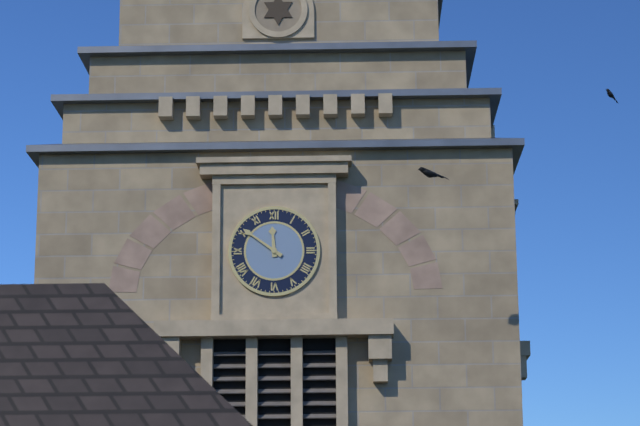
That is 11.51
